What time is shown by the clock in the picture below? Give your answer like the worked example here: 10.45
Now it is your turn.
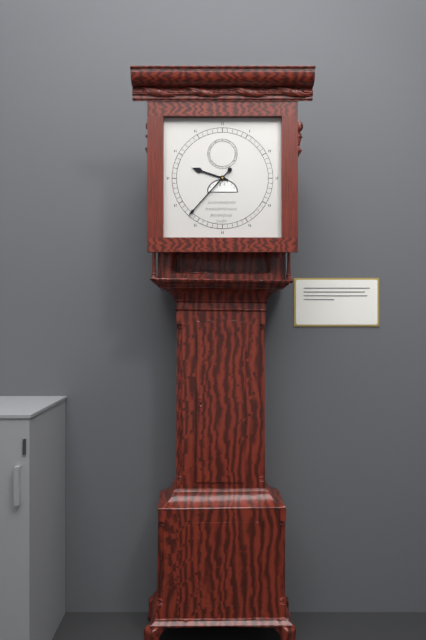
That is 9.37
